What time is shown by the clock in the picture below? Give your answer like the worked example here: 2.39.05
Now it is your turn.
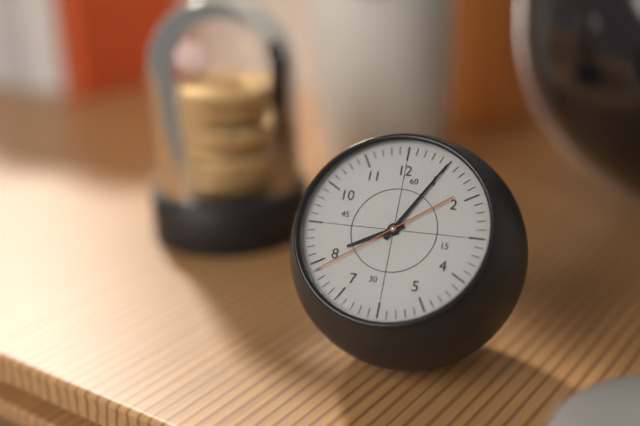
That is 8.05.39
